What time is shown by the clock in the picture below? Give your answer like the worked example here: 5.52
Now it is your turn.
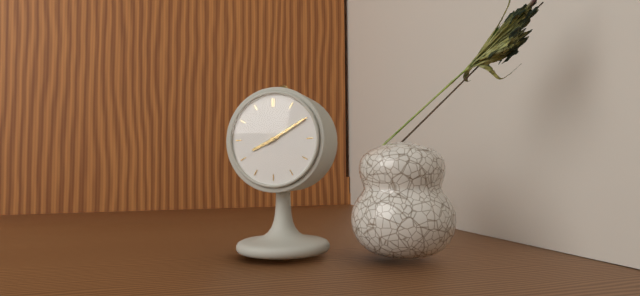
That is 8.10
